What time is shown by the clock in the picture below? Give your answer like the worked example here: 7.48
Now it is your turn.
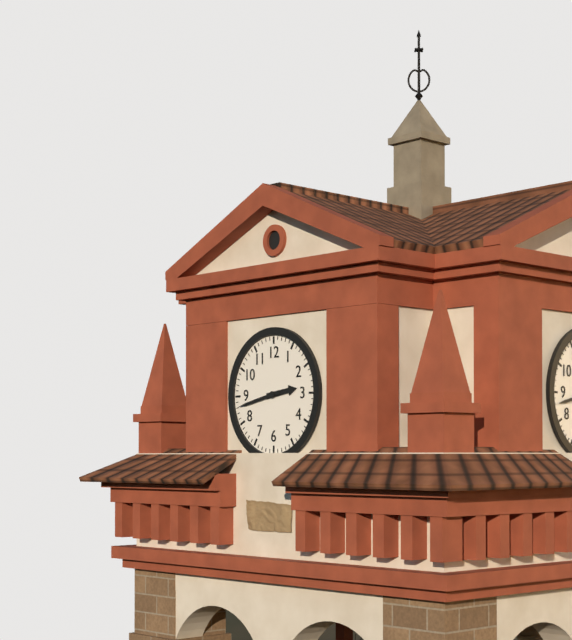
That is 2.43
